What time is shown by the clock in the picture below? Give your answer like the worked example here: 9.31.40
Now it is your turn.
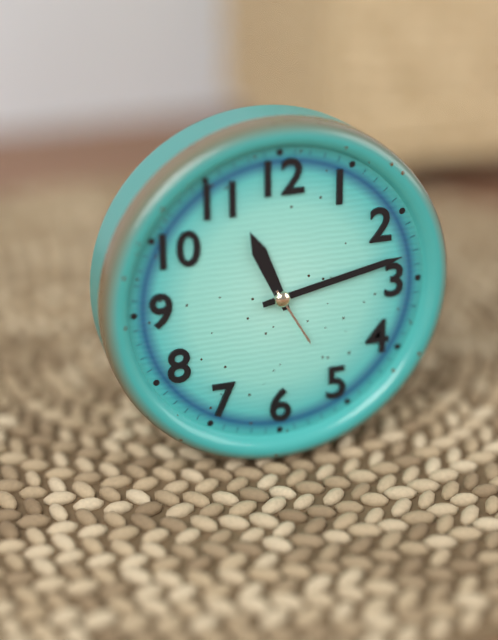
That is 11.13.25
